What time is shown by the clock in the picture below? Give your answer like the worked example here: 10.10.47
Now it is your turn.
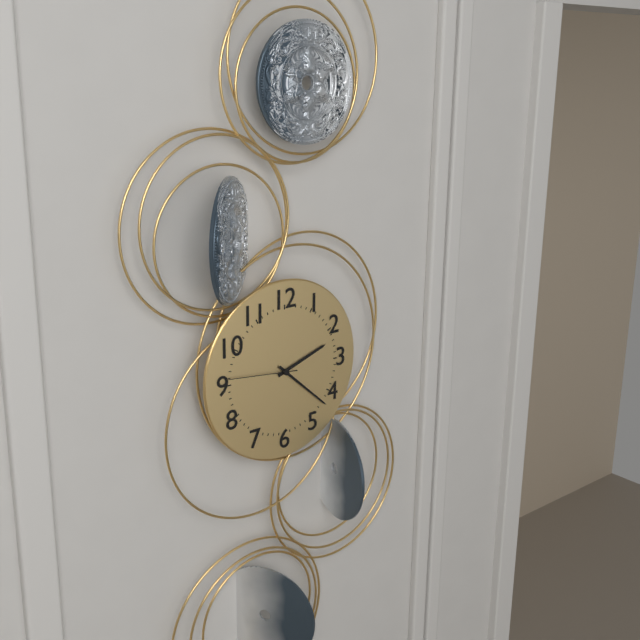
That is 2.22.46
